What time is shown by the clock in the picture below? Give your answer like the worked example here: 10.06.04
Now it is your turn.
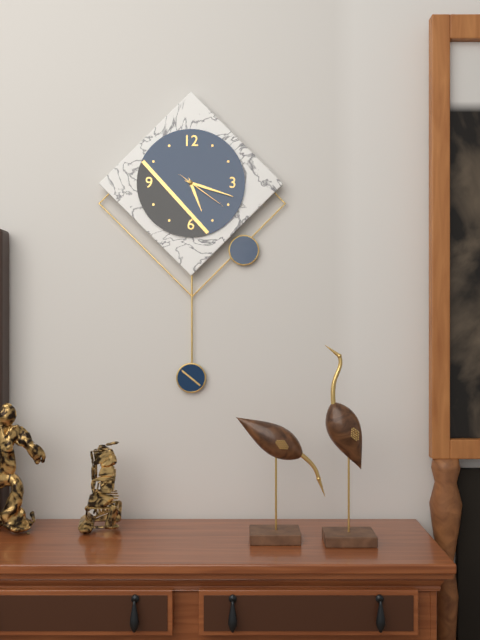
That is 5.18.21
